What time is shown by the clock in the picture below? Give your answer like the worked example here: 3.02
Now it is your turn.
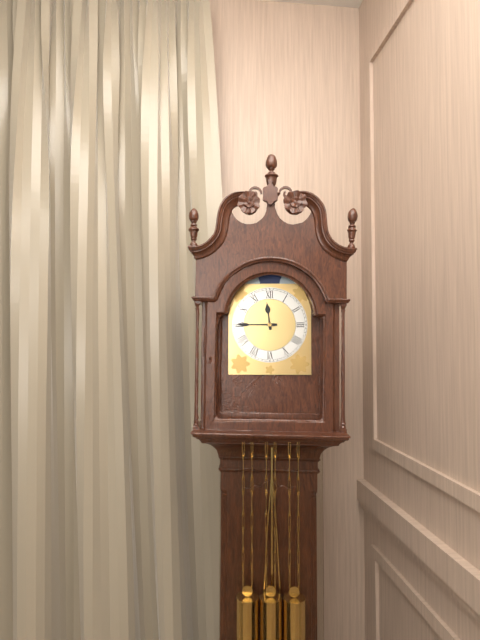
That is 11.45
